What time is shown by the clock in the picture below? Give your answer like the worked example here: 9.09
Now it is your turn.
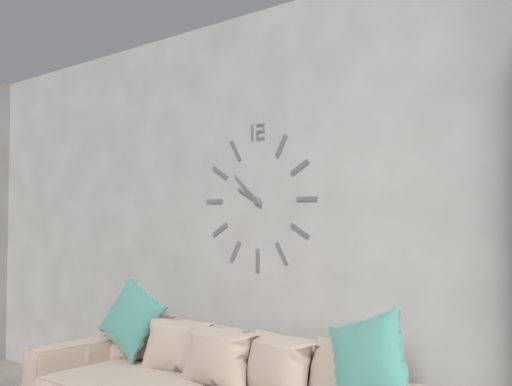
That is 9.52
